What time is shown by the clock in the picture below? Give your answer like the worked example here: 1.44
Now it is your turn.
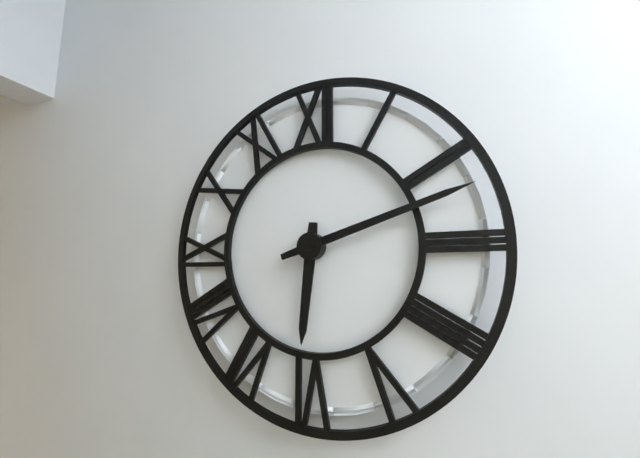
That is 6.12
